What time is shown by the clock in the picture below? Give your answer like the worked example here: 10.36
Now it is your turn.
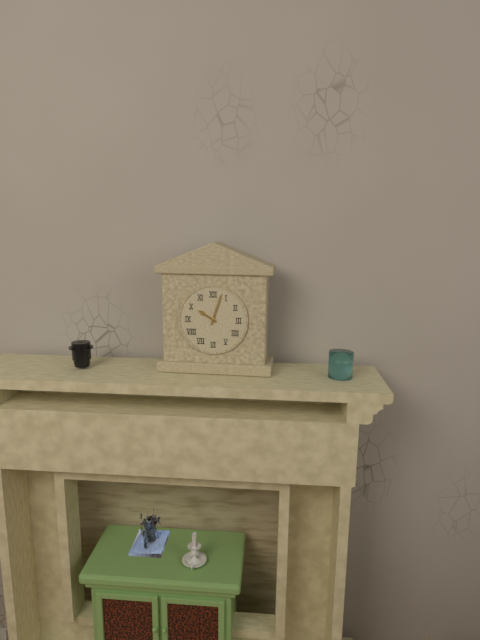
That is 10.03
